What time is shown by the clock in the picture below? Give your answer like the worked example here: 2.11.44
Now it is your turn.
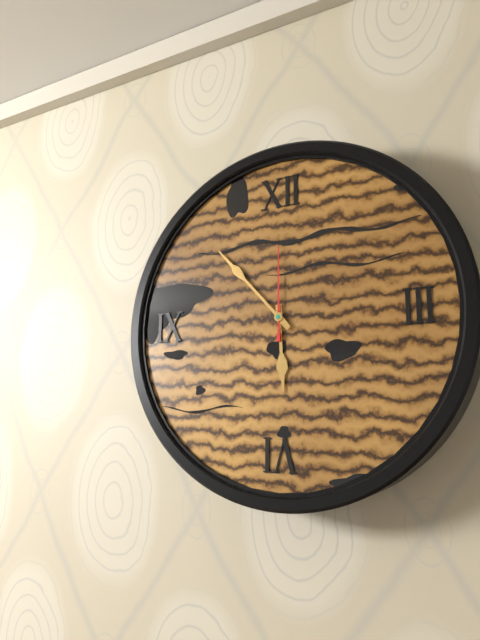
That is 5.53.00
